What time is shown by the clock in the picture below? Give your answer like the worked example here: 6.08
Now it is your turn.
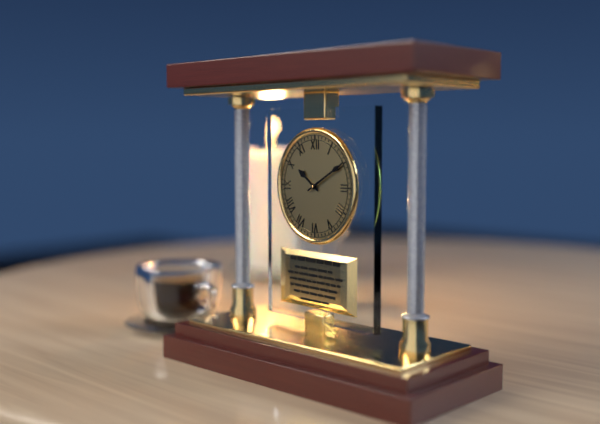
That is 10.10
